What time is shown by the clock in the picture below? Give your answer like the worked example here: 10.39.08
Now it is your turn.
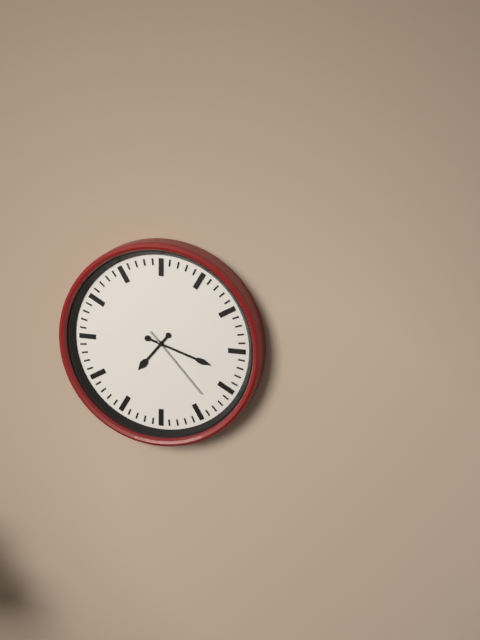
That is 7.18.23
